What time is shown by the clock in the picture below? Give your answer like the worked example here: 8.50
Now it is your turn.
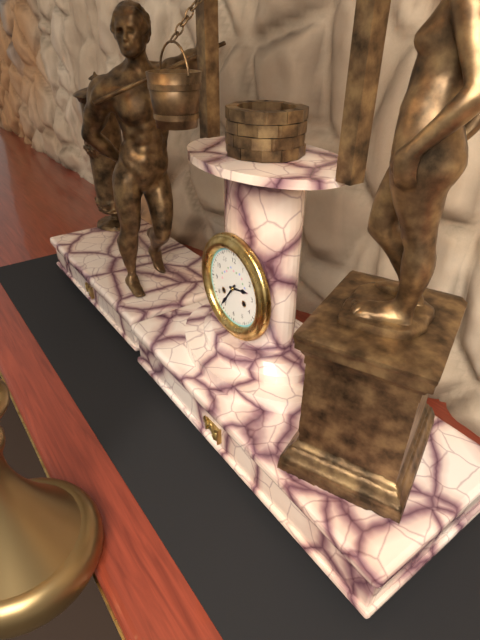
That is 2.36
